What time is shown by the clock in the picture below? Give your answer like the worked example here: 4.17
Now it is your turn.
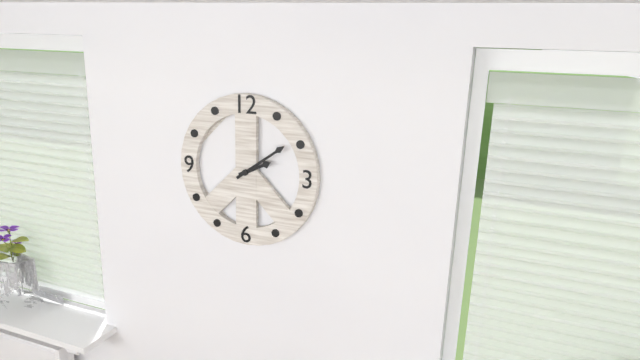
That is 2.09
